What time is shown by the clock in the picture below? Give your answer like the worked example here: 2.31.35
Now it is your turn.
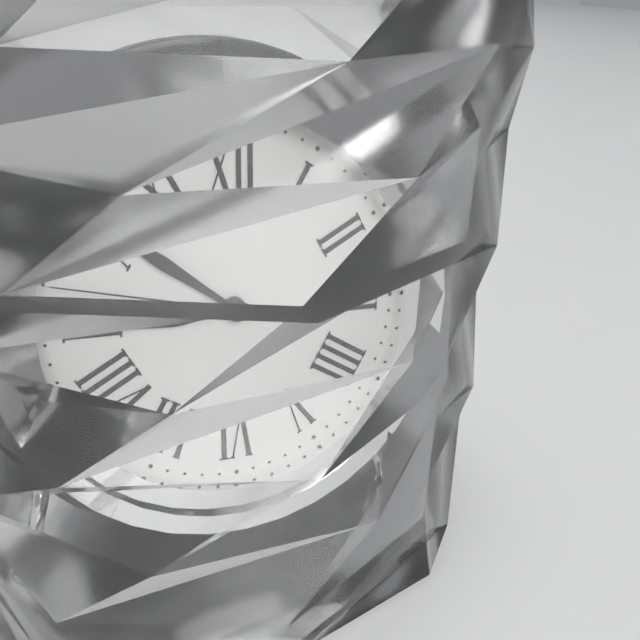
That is 8.51.47
